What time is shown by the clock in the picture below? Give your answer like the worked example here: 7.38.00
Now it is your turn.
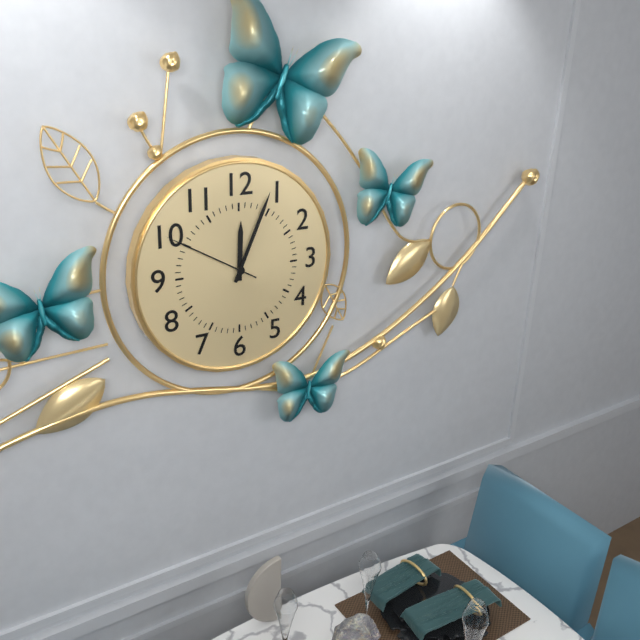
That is 12.04.50
